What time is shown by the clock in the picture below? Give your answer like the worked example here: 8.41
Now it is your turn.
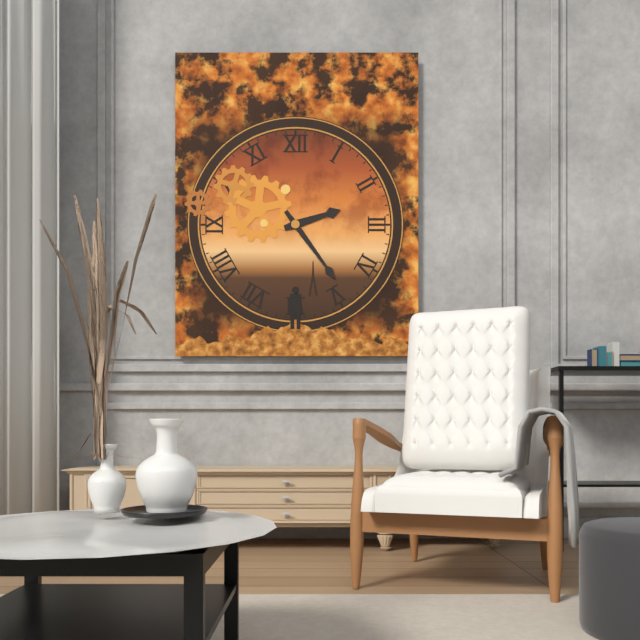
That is 2.24
